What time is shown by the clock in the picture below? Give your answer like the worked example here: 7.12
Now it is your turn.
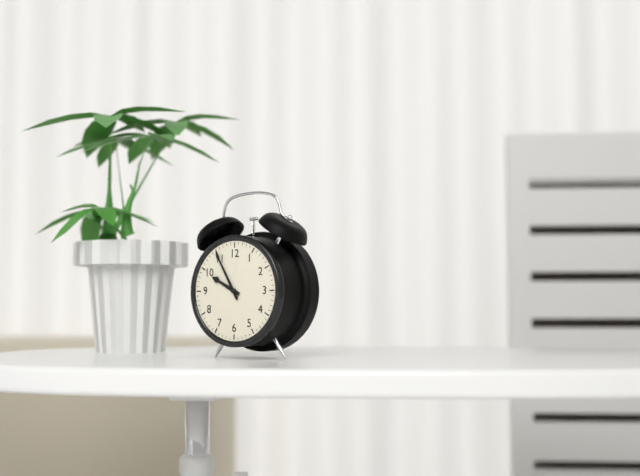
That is 9.55
